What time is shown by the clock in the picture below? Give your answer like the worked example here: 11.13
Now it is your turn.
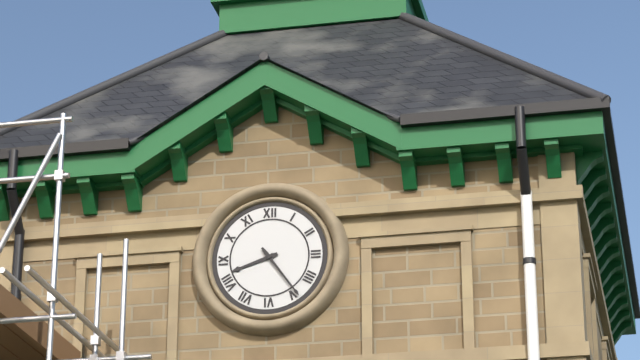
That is 8.24
